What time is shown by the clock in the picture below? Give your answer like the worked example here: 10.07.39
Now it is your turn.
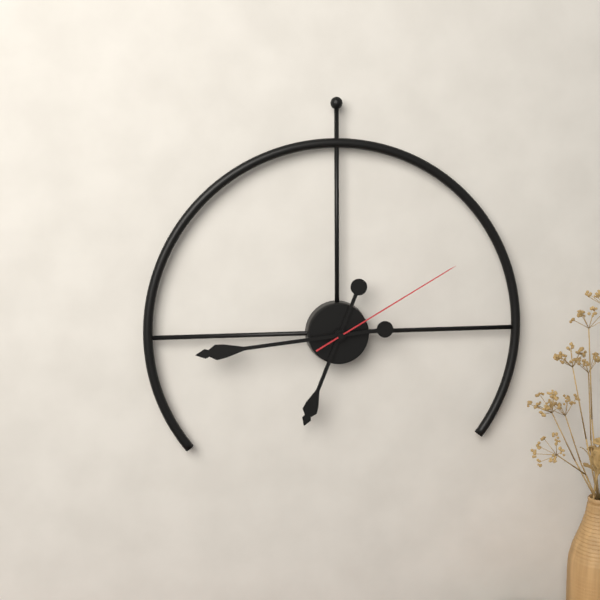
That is 6.44.10
